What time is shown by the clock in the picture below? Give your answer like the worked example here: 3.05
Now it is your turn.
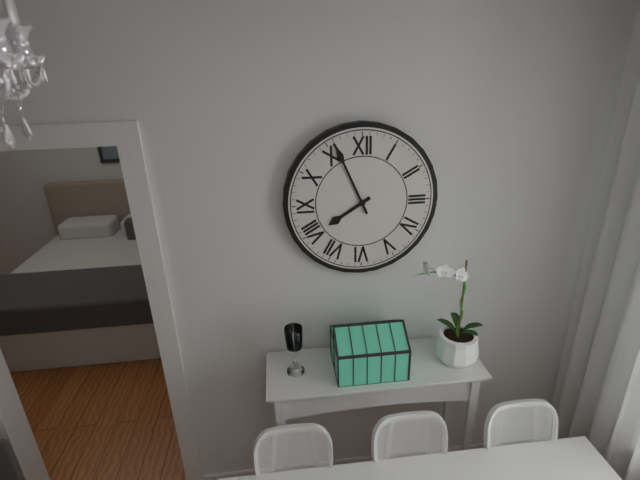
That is 7.56
